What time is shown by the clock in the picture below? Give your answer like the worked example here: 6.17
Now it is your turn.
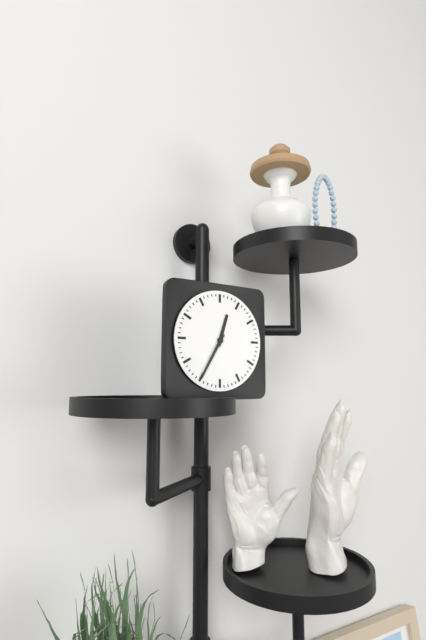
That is 12.35
